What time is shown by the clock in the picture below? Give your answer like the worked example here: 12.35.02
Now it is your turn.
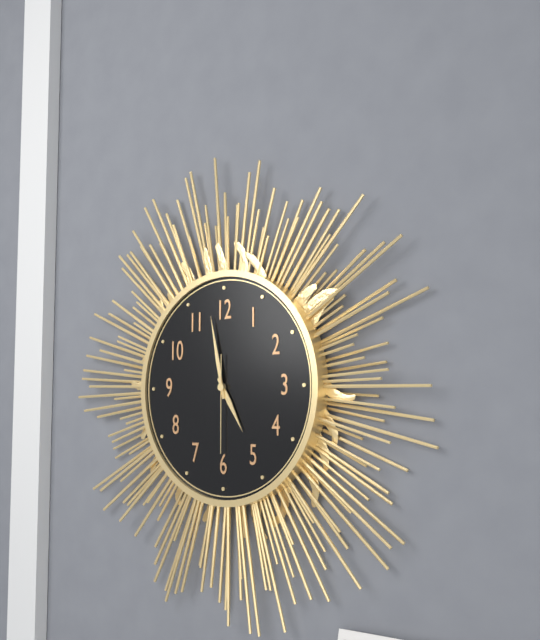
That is 4.58.30
